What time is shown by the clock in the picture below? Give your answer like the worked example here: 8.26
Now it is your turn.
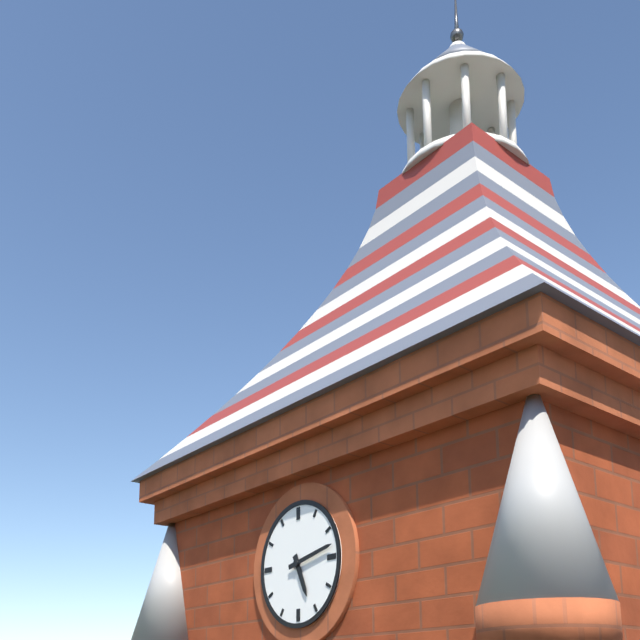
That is 5.13
